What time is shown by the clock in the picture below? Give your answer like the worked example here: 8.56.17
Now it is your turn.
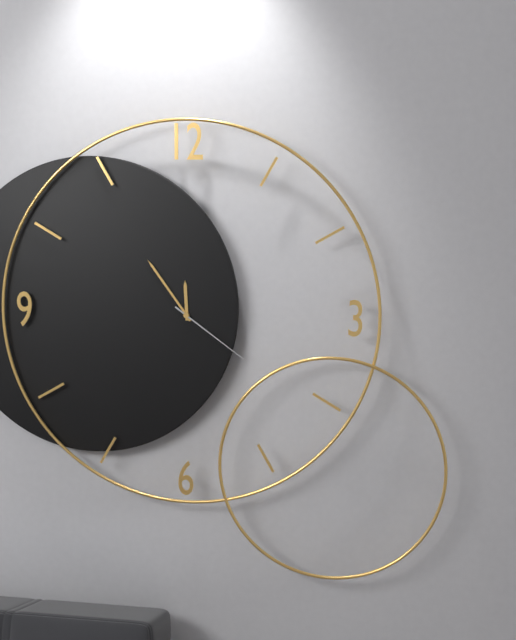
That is 11.54.21
